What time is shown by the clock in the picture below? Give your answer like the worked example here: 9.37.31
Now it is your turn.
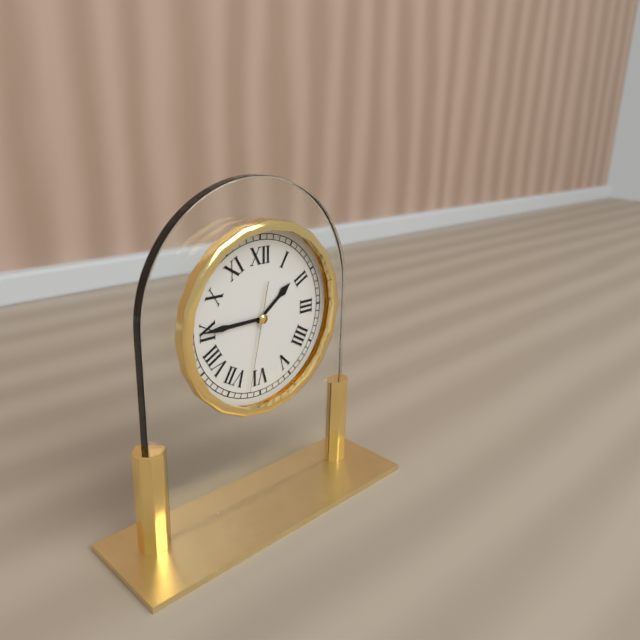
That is 1.45.32
